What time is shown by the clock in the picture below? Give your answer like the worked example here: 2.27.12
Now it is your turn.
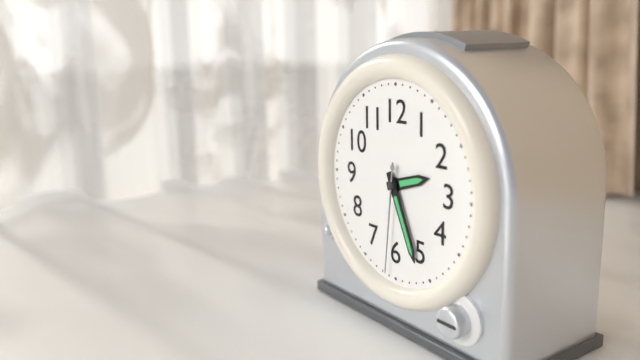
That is 2.26.31
